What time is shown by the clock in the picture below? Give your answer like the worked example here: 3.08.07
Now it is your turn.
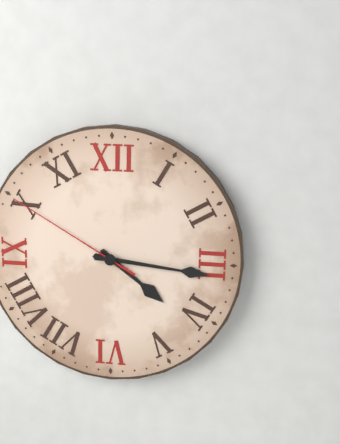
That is 4.16.50
